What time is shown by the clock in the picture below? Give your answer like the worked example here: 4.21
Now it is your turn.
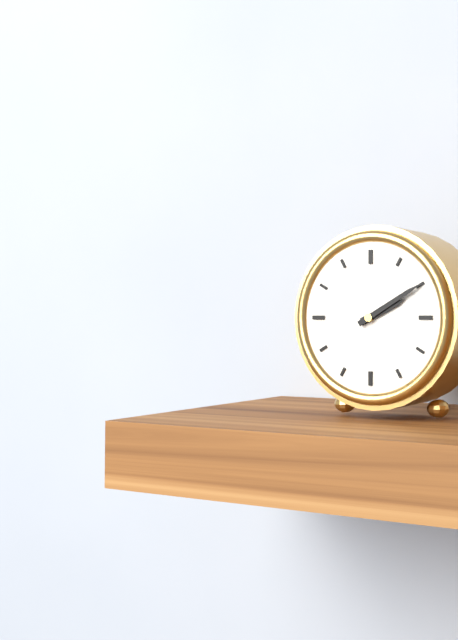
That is 2.10
